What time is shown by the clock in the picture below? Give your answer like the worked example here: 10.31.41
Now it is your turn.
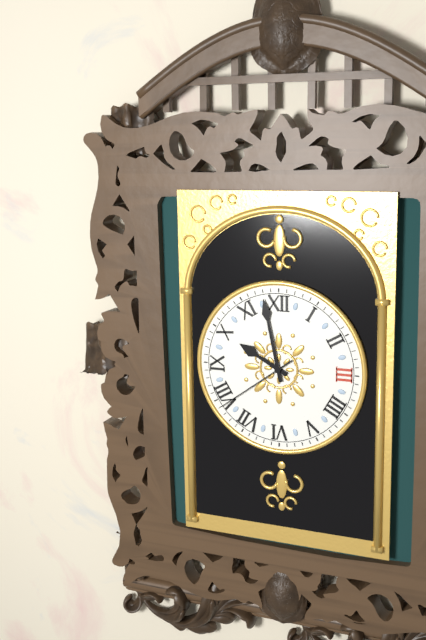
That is 9.58.39
